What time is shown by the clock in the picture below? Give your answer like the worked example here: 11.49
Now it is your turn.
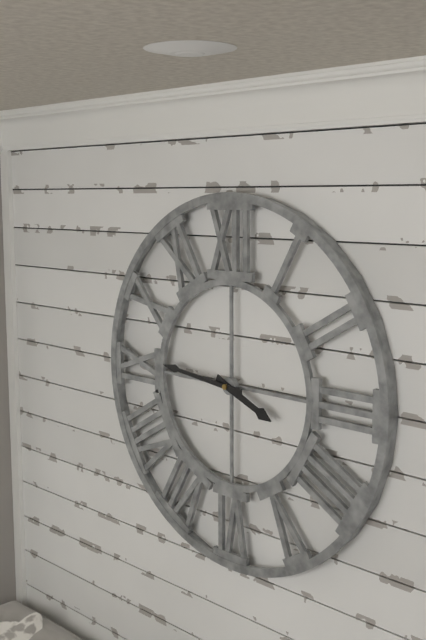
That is 3.46
